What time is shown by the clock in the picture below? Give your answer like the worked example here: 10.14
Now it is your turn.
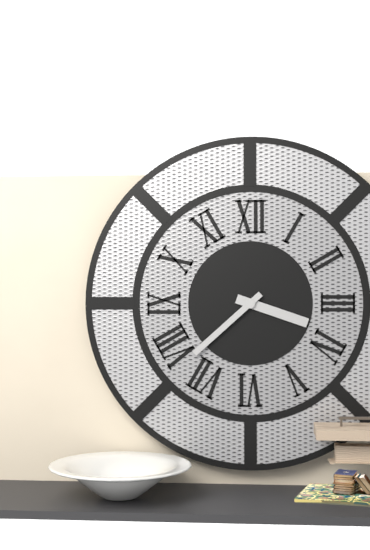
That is 3.38
